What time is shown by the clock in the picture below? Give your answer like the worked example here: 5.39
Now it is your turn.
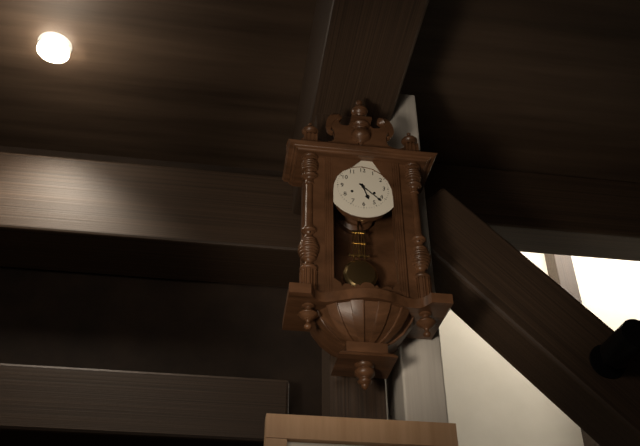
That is 5.22
